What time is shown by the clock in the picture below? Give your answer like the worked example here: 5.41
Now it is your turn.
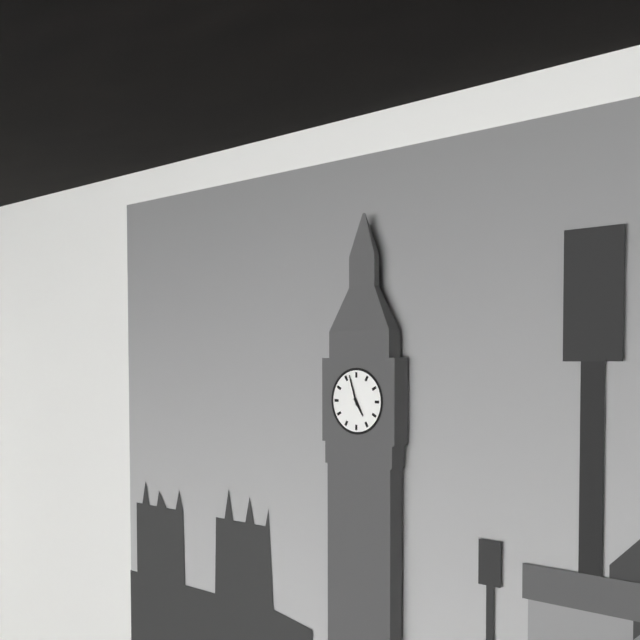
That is 4.57
